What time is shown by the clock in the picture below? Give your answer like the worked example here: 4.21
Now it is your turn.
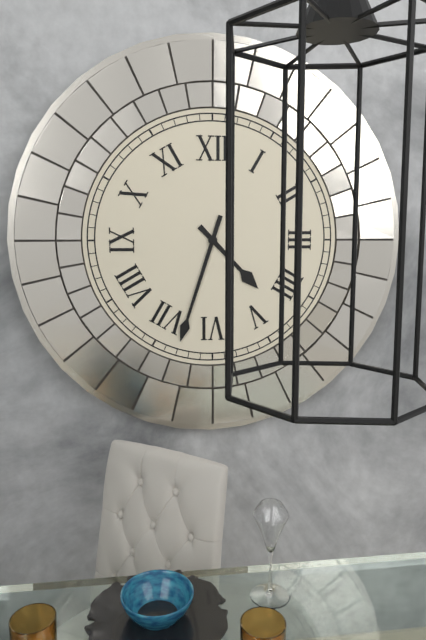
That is 4.33
